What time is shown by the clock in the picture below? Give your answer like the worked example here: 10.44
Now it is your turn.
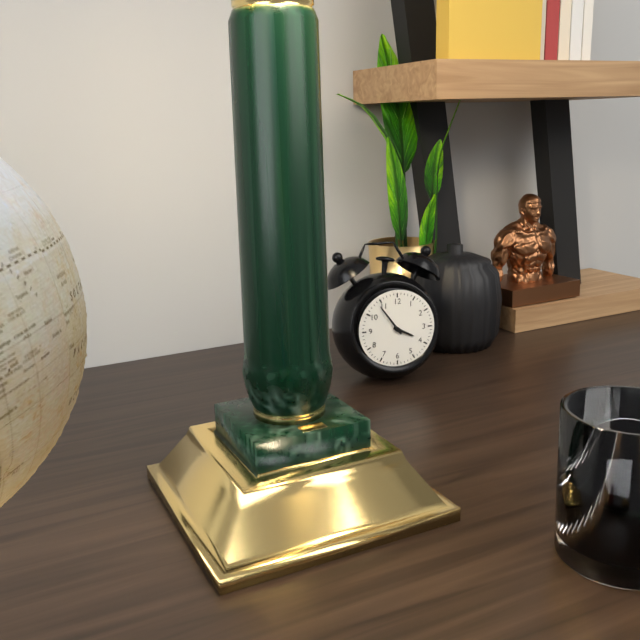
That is 3.54
